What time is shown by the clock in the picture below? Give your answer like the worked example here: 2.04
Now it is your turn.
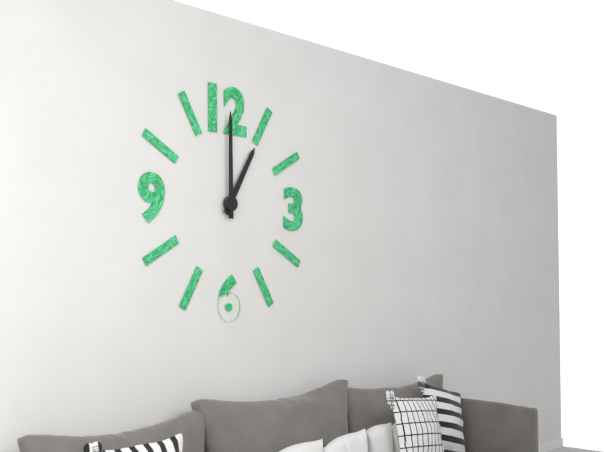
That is 1.00
